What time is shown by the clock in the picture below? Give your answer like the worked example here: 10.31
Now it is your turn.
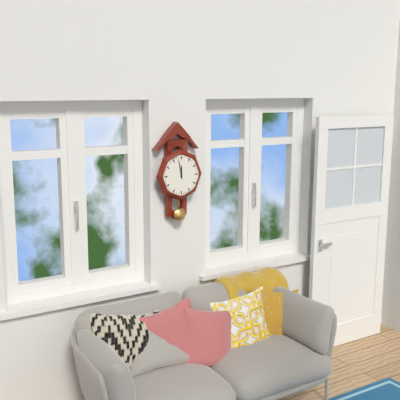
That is 11.58
